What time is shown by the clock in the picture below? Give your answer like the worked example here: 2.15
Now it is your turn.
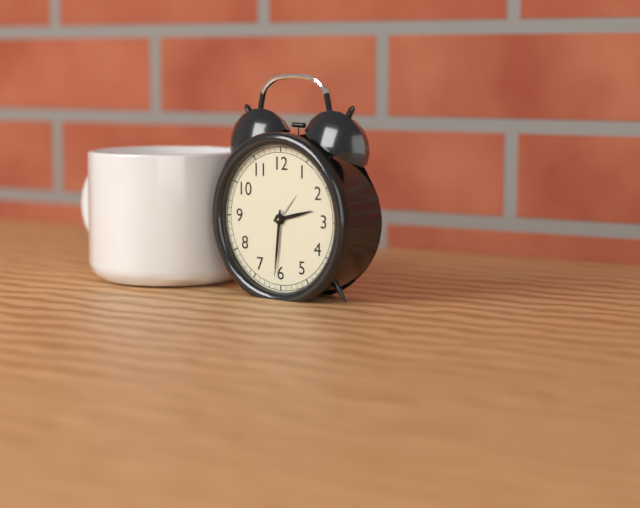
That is 2.31
